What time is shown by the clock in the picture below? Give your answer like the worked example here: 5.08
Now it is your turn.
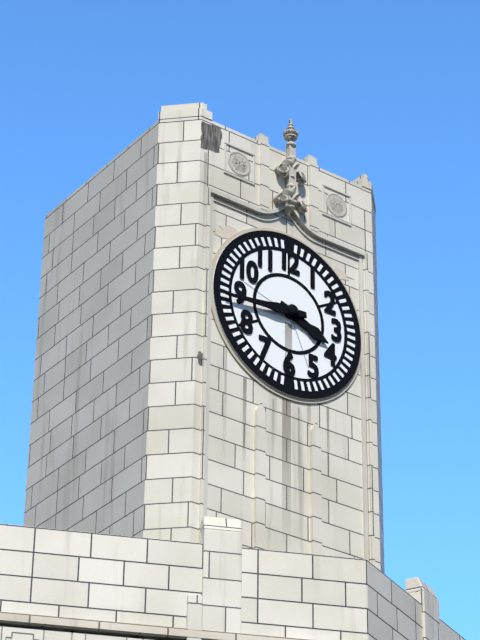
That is 3.44
